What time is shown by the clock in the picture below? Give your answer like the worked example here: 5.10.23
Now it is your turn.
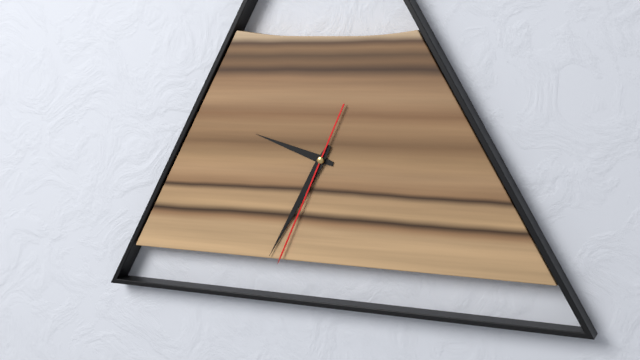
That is 9.35.34
